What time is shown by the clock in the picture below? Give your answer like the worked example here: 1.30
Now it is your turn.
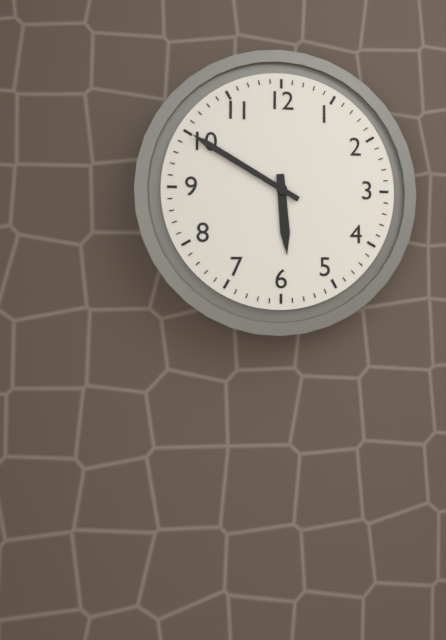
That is 5.50
